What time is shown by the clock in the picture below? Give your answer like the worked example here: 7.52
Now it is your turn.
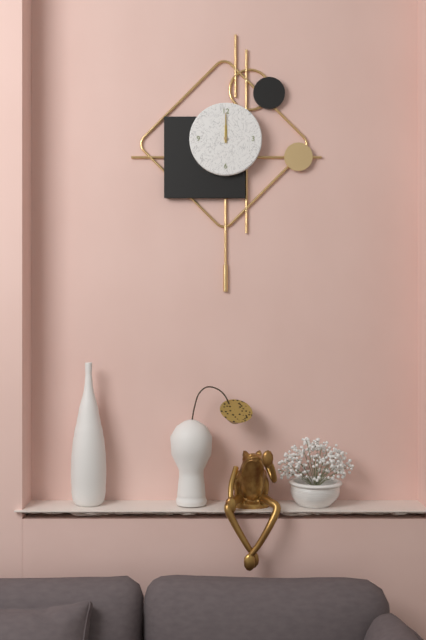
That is 12.00
